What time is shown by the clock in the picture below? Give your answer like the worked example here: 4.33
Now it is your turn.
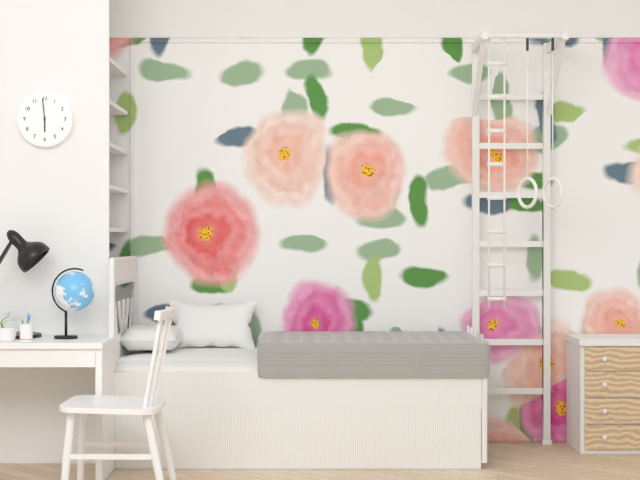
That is 5.59
